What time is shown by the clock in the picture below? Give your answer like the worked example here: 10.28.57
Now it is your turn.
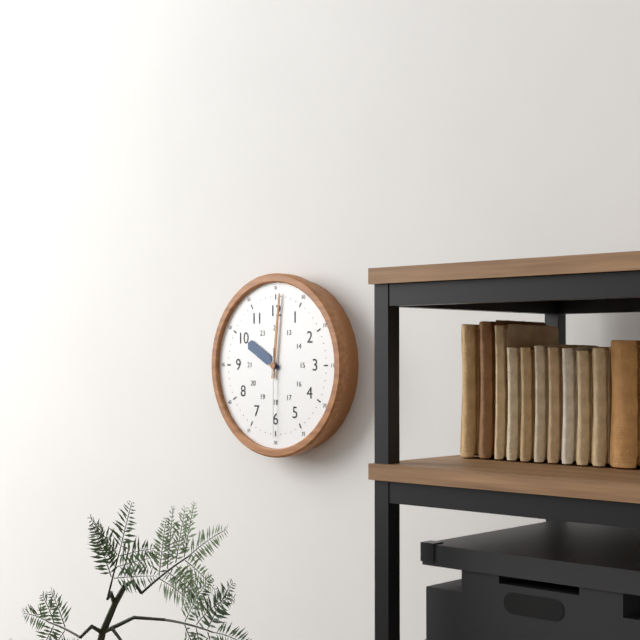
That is 10.01.30
